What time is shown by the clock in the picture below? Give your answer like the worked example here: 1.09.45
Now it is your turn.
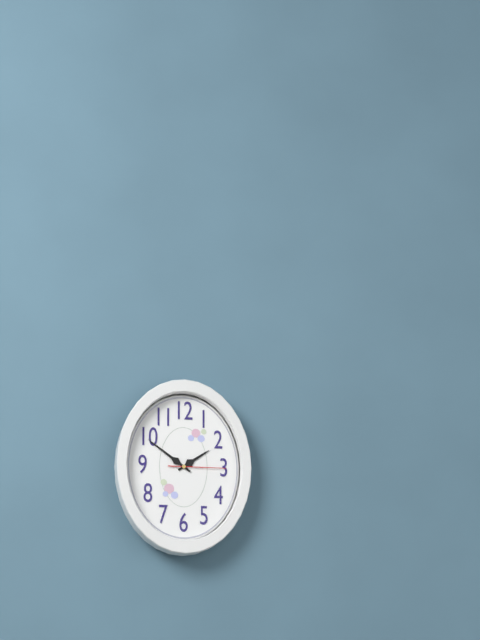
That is 1.51.15
